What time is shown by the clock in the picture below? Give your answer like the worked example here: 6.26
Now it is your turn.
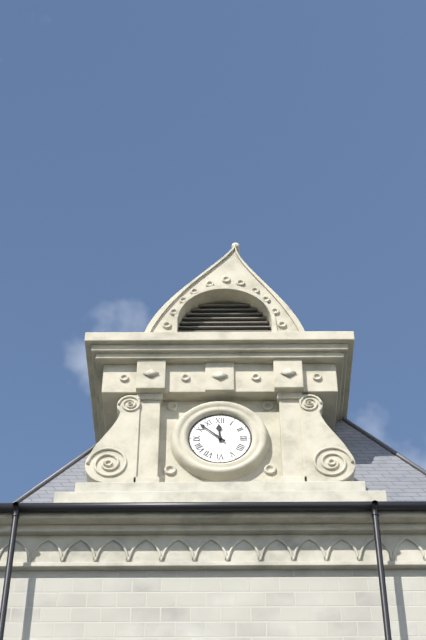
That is 11.52
